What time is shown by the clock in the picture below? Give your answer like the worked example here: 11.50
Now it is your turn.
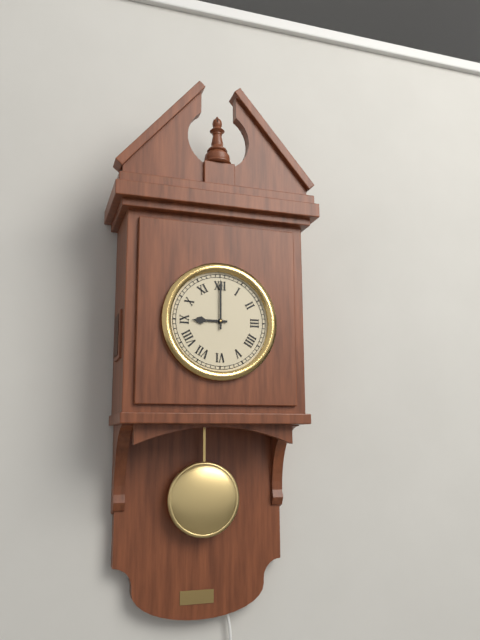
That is 9.00
